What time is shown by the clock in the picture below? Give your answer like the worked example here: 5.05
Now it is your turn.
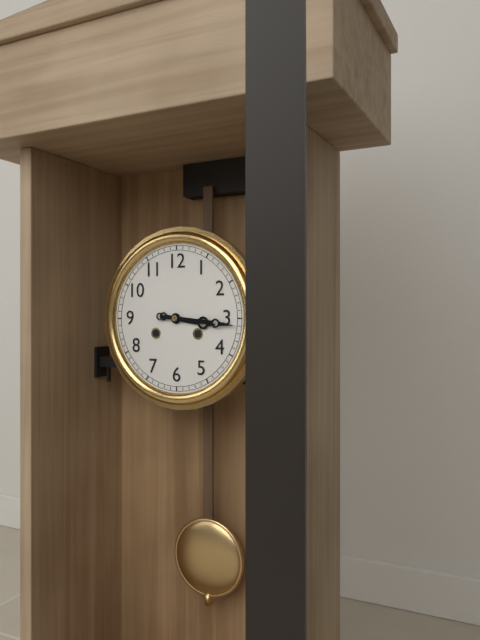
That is 3.16
